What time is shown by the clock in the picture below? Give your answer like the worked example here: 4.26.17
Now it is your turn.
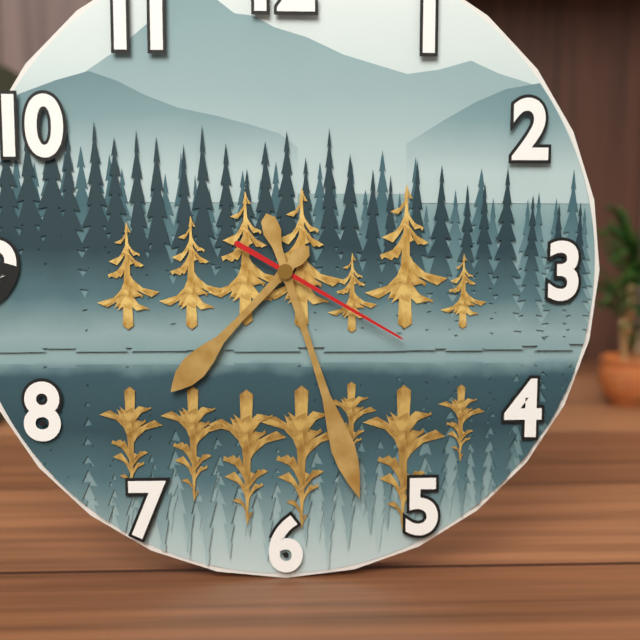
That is 7.27.20
